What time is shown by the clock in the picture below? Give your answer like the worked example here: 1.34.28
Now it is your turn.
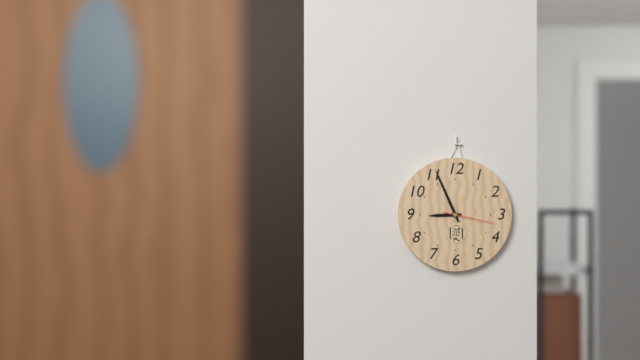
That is 8.56.17
